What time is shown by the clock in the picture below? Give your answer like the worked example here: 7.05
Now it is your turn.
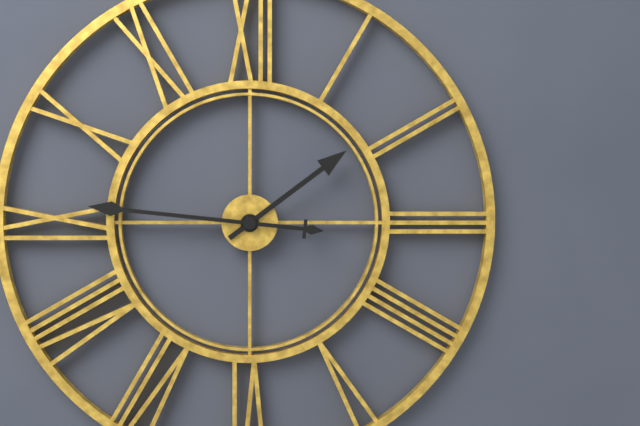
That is 1.46
